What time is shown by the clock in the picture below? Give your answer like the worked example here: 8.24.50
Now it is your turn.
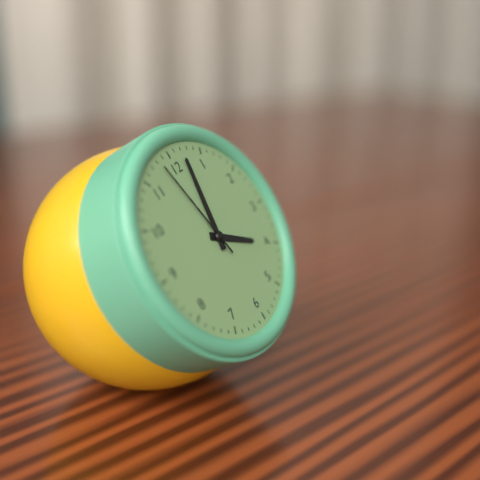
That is 4.02.58
